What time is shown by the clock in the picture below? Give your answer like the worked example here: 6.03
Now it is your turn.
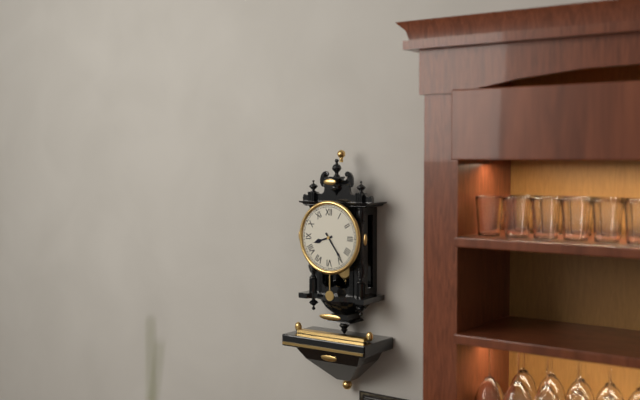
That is 8.24
